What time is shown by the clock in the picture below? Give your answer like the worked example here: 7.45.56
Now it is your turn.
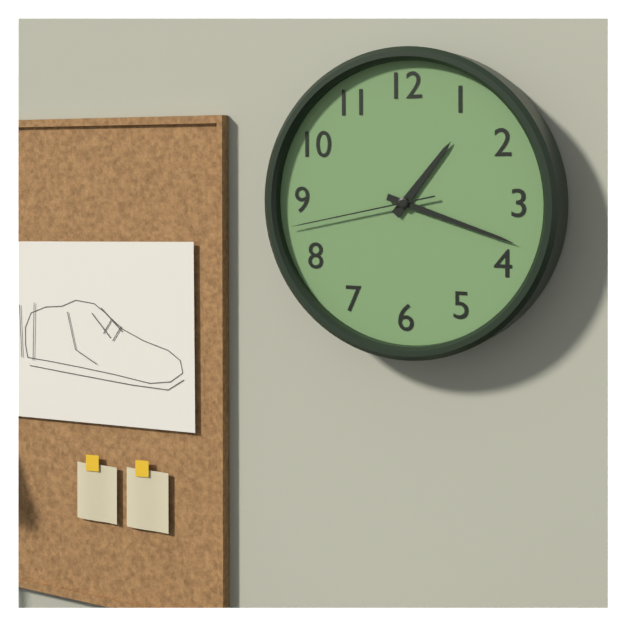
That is 1.18.43
